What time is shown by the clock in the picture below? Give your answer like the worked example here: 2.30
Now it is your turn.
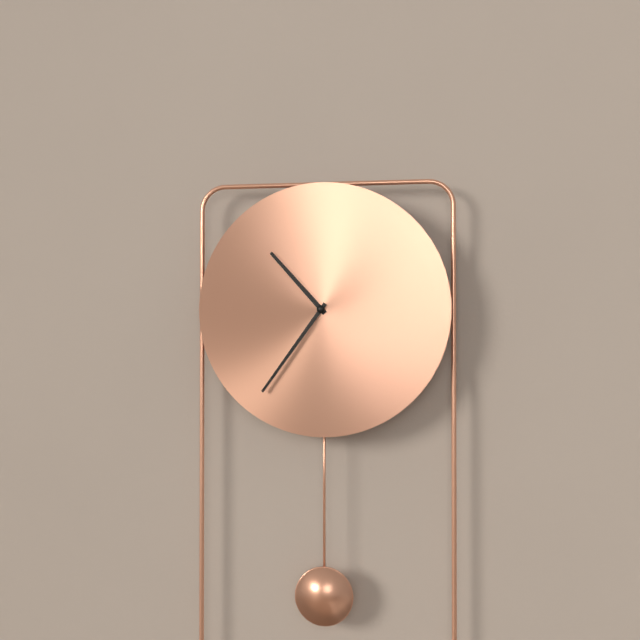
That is 10.36
